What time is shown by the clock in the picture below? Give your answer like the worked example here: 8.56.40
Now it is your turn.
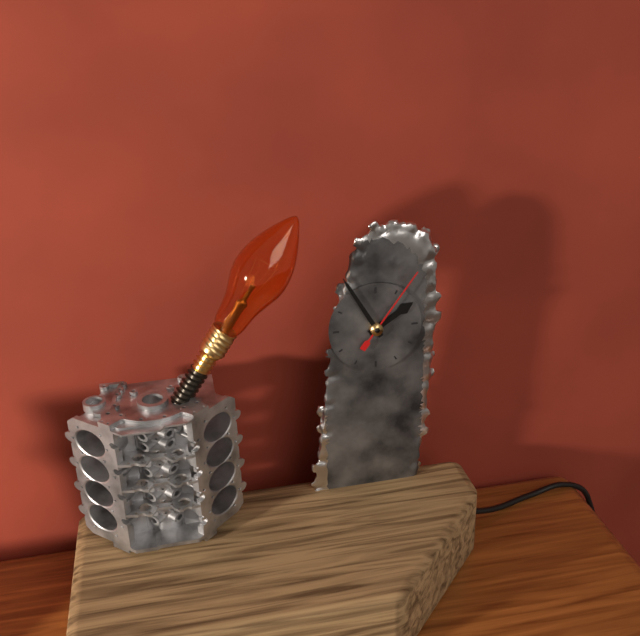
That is 1.55.06
